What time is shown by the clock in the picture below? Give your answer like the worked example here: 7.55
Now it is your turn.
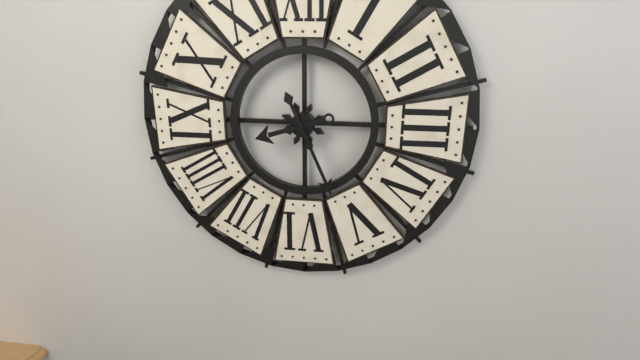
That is 8.26
